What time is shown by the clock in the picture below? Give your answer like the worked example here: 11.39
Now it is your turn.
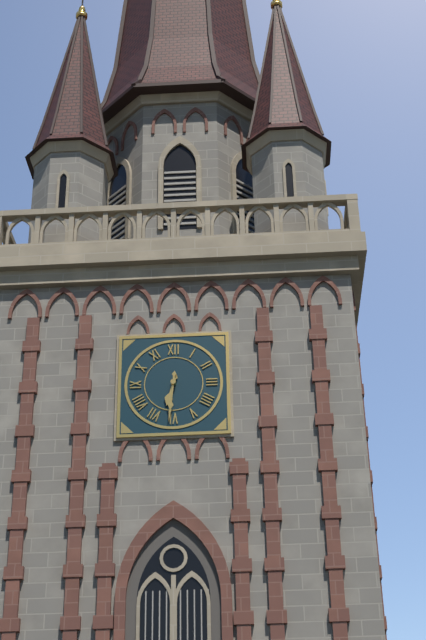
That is 6.31
